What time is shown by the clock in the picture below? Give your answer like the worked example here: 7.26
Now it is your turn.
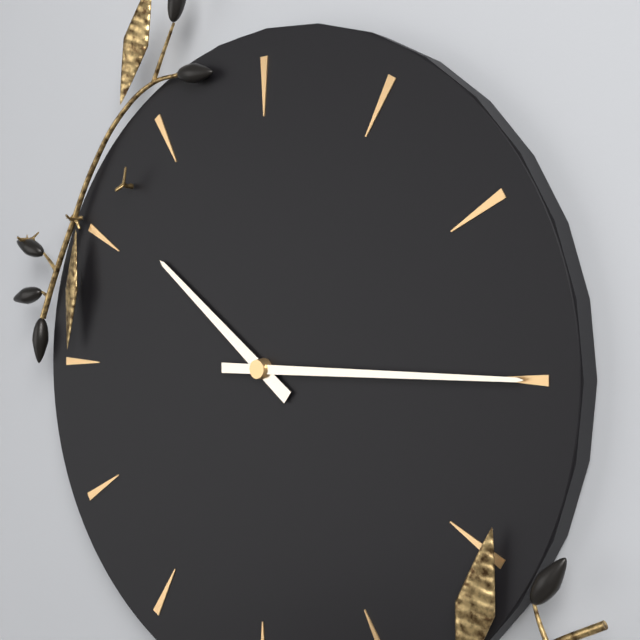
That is 10.15
